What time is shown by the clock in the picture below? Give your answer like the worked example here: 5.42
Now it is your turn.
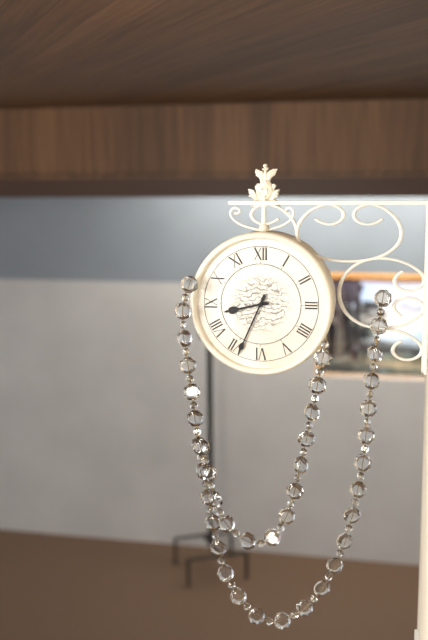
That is 8.34
